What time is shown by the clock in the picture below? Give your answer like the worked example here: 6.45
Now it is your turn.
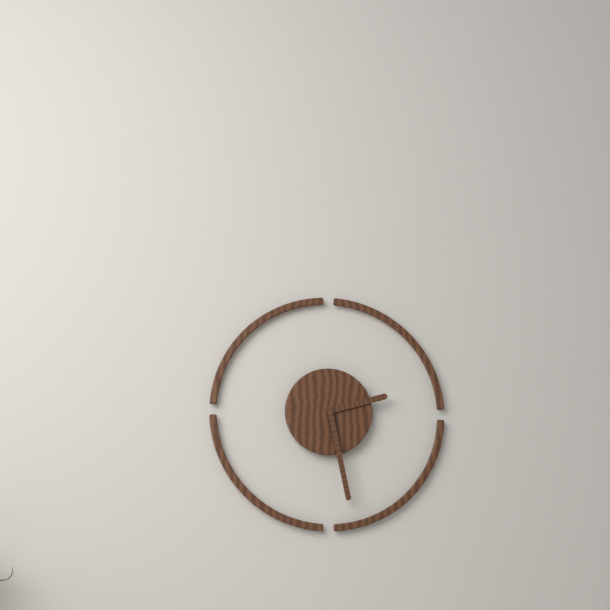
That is 2.28
